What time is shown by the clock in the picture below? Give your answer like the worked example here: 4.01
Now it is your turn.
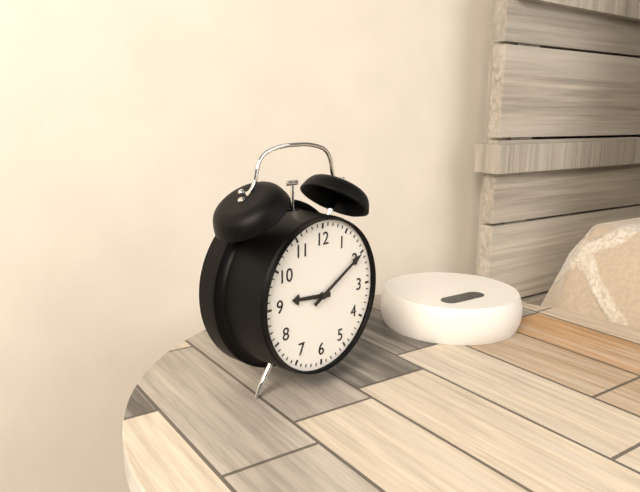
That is 9.10
